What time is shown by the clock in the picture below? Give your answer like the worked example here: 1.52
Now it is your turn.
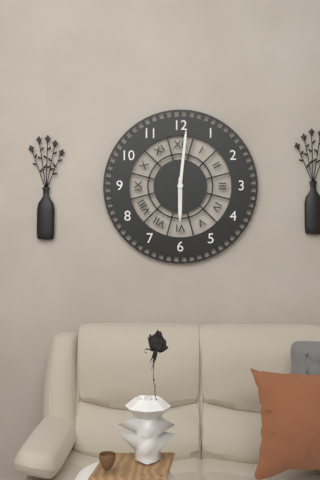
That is 6.01
